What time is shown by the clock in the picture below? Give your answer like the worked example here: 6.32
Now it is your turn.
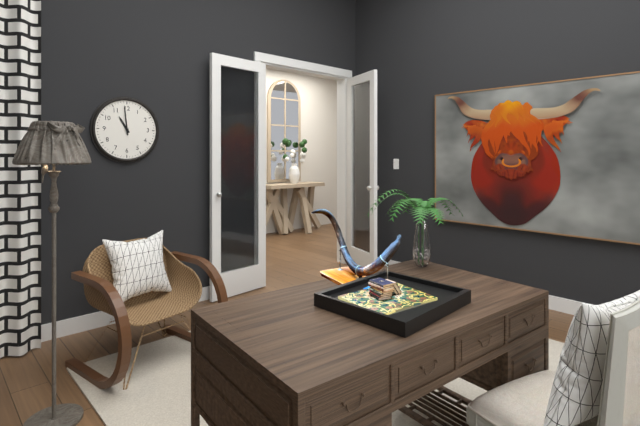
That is 10.59
